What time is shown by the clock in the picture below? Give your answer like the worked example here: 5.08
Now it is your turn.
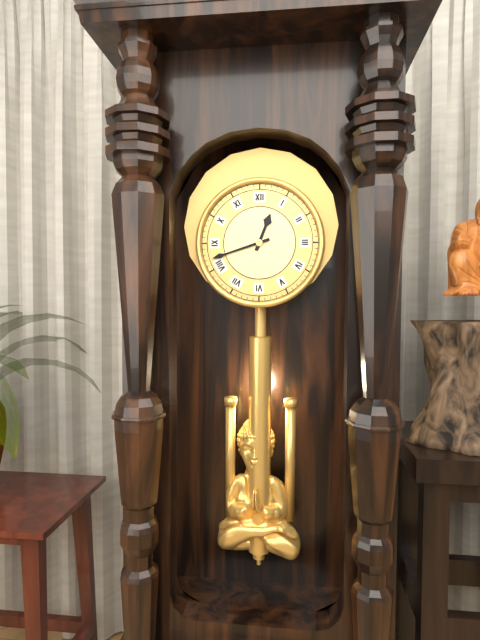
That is 12.42
